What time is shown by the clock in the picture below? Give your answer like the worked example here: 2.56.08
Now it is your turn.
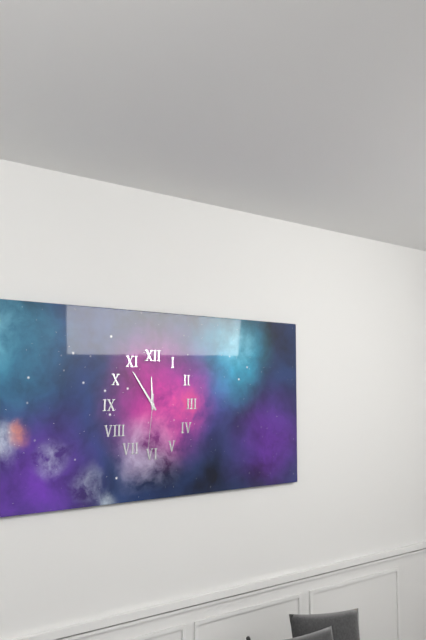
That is 11.54.31
